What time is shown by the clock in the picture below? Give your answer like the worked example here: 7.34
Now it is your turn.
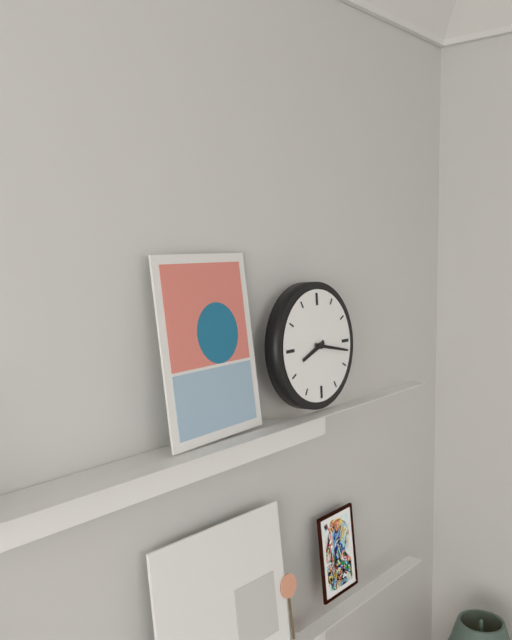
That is 8.17
